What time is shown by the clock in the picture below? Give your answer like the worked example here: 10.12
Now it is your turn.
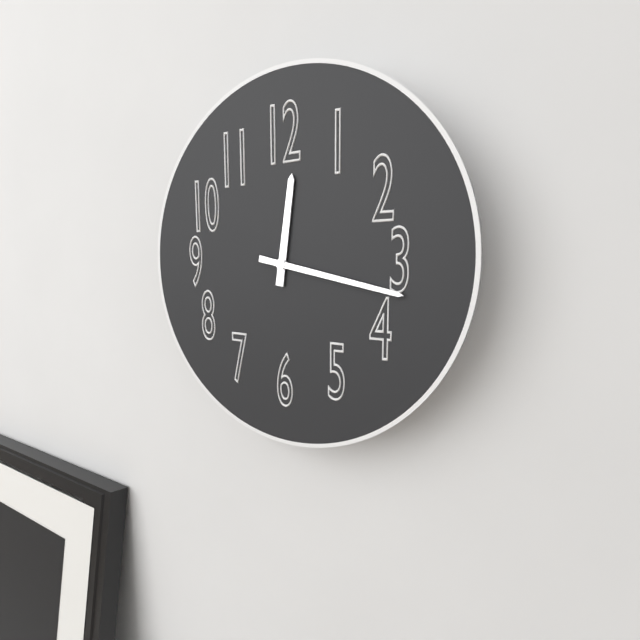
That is 12.17
